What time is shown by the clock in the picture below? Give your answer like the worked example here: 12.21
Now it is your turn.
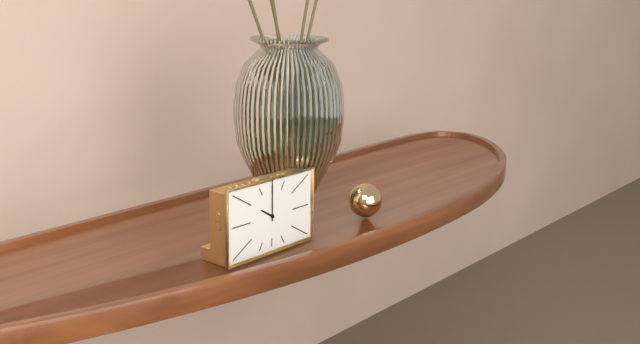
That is 10.00
